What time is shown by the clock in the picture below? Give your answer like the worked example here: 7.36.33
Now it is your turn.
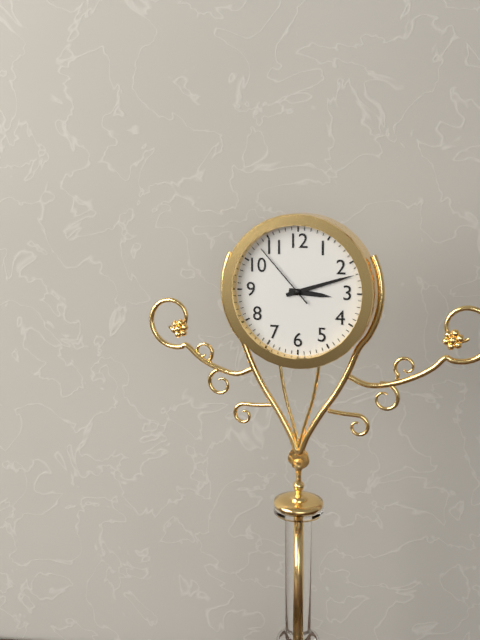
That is 3.12.53
